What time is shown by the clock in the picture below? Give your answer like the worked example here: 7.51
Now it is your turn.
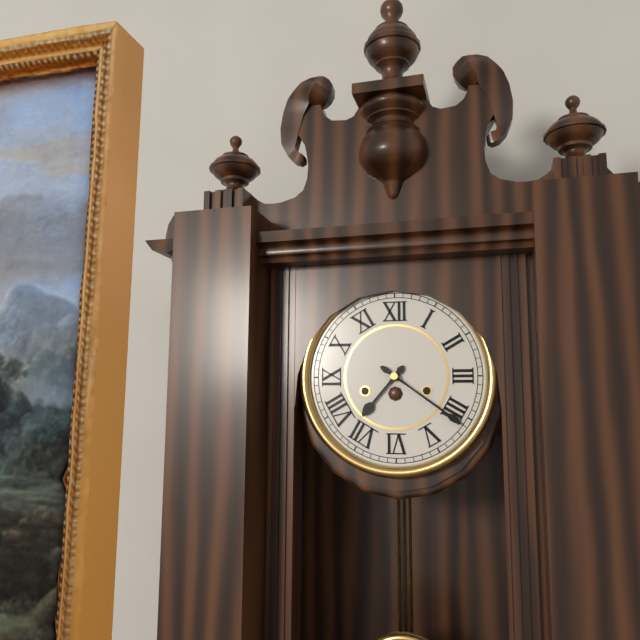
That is 7.21
